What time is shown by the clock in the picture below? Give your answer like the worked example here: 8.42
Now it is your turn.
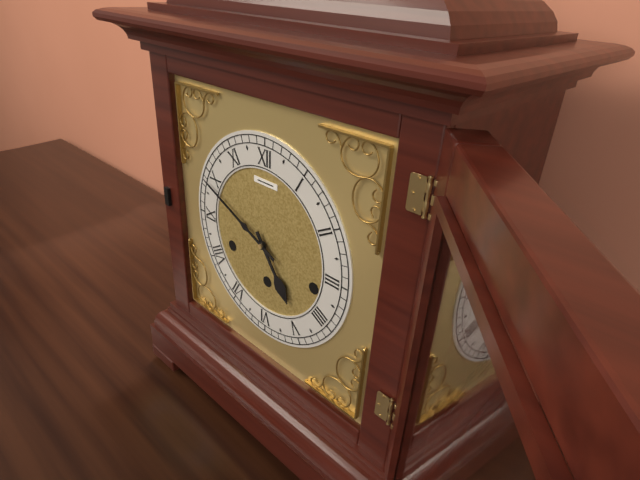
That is 4.49
